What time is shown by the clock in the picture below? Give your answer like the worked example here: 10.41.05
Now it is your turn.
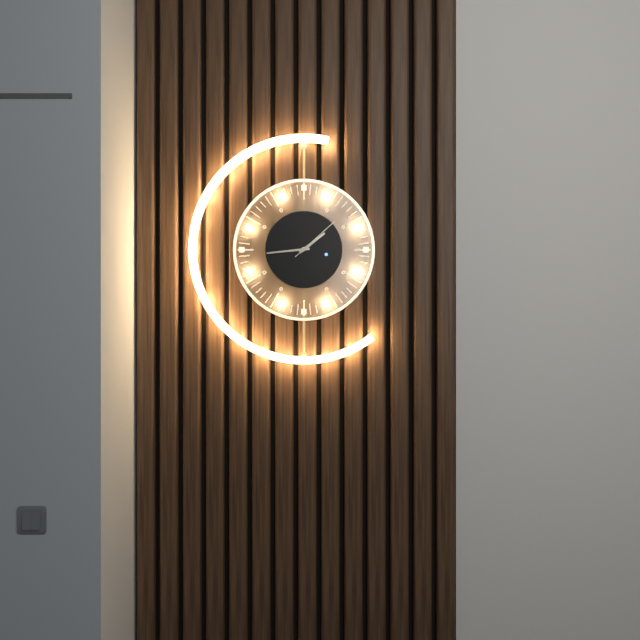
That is 1.44.08
